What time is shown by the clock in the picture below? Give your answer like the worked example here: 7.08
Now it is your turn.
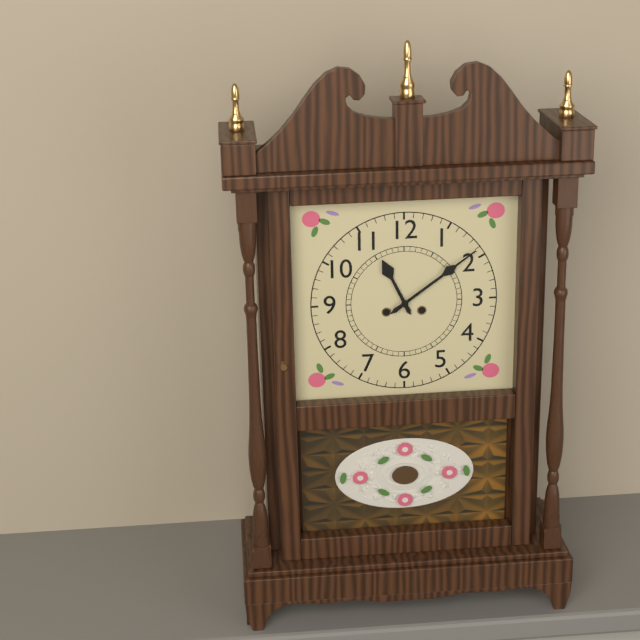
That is 11.09
